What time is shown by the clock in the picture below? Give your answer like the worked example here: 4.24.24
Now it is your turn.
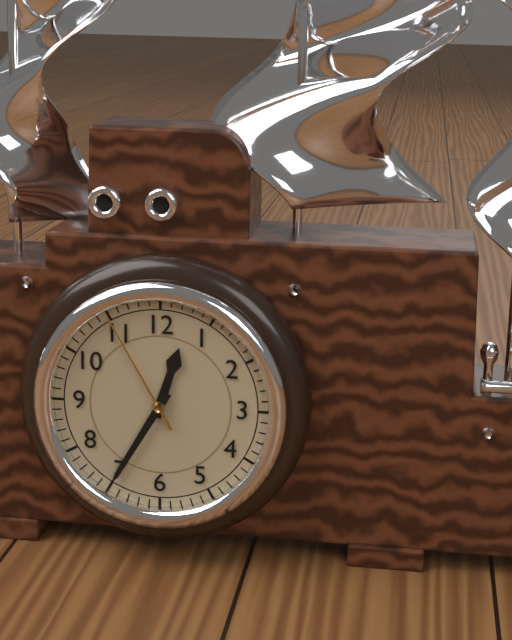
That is 12.35.55
